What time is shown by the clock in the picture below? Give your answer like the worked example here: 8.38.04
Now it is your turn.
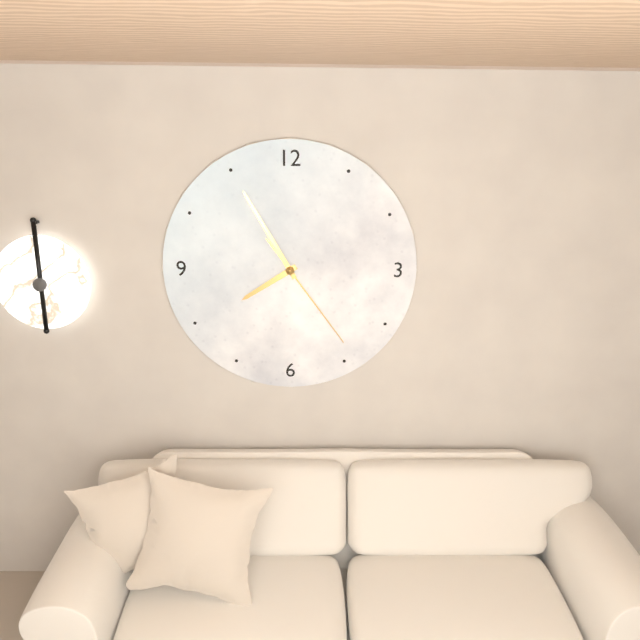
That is 7.55.24
